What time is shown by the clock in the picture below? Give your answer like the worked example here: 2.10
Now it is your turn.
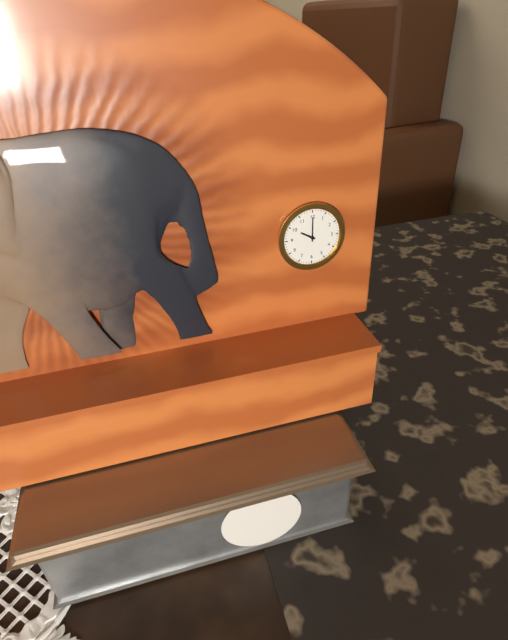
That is 10.00
